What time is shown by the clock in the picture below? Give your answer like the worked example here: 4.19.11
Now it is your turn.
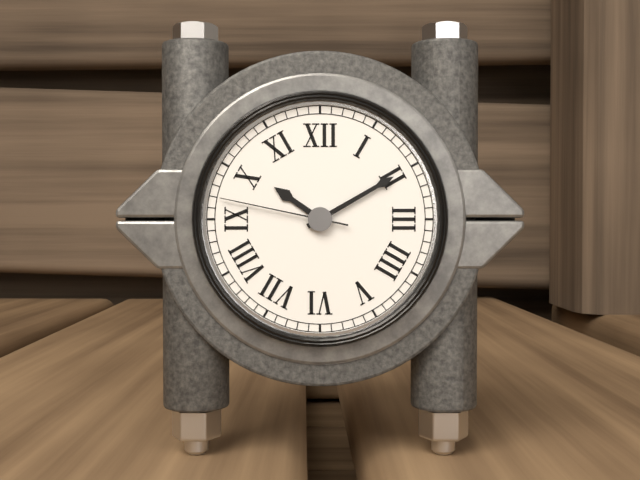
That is 10.10.47
